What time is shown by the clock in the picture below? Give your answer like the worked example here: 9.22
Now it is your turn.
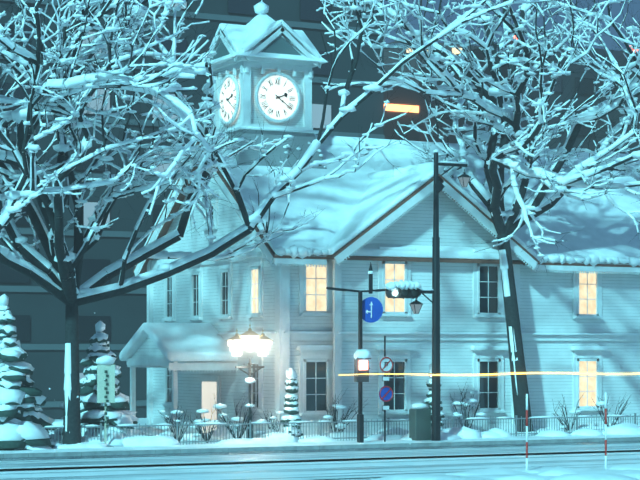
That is 2.21
